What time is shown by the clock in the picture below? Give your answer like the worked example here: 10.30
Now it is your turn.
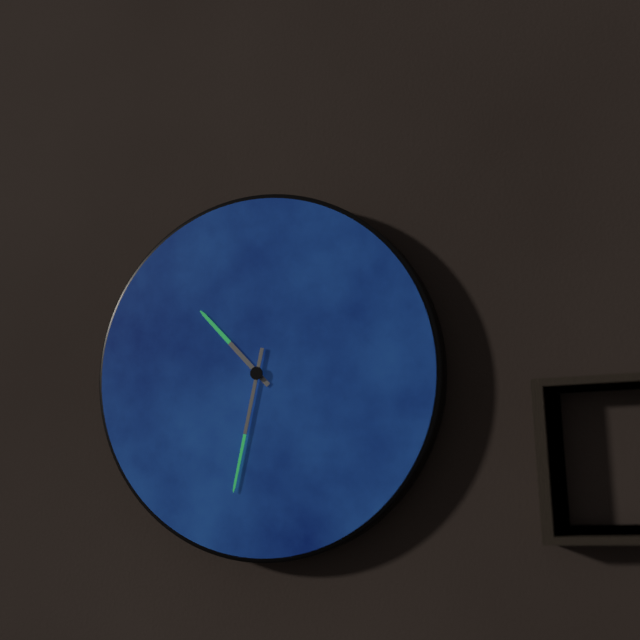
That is 10.32
